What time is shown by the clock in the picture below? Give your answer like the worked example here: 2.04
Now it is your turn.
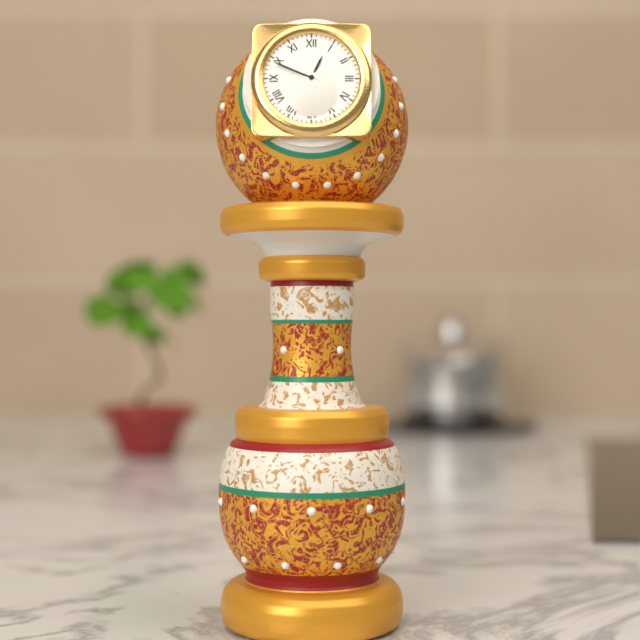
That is 12.49
